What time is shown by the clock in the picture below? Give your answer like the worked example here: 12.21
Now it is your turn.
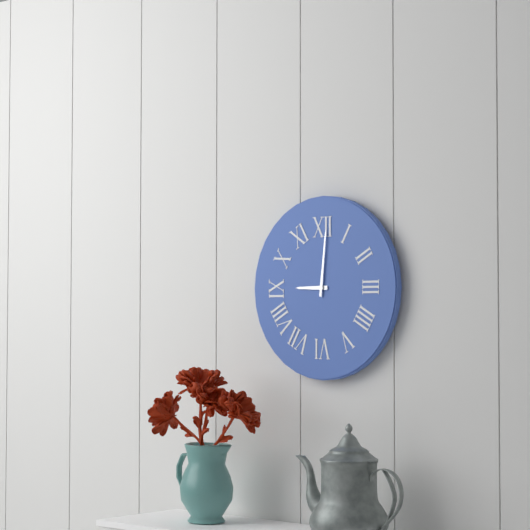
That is 9.01
